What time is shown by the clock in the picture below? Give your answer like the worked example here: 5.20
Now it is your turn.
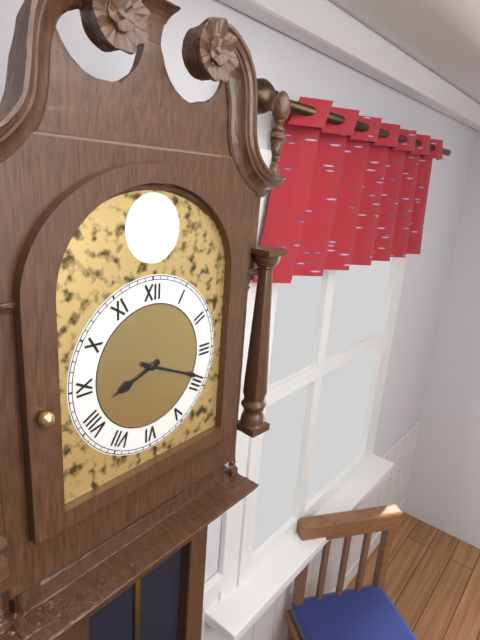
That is 8.19
